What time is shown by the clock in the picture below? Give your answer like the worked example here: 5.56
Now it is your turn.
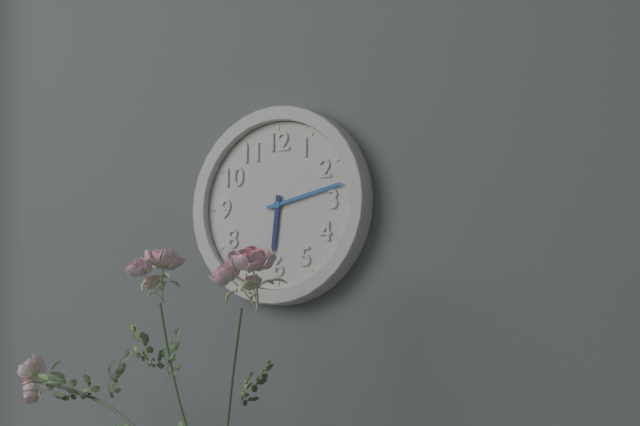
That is 6.13
